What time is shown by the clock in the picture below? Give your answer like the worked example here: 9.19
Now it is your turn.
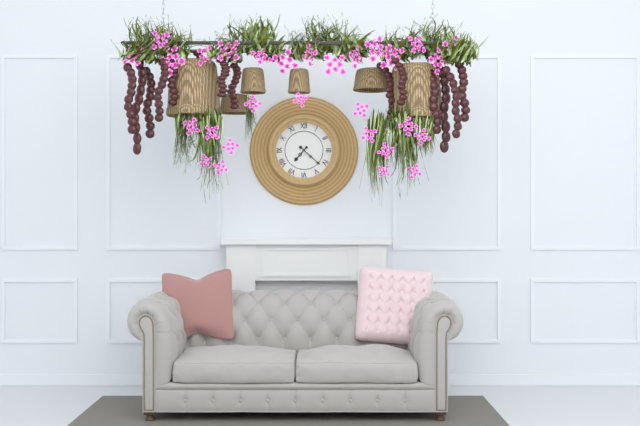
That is 7.22
